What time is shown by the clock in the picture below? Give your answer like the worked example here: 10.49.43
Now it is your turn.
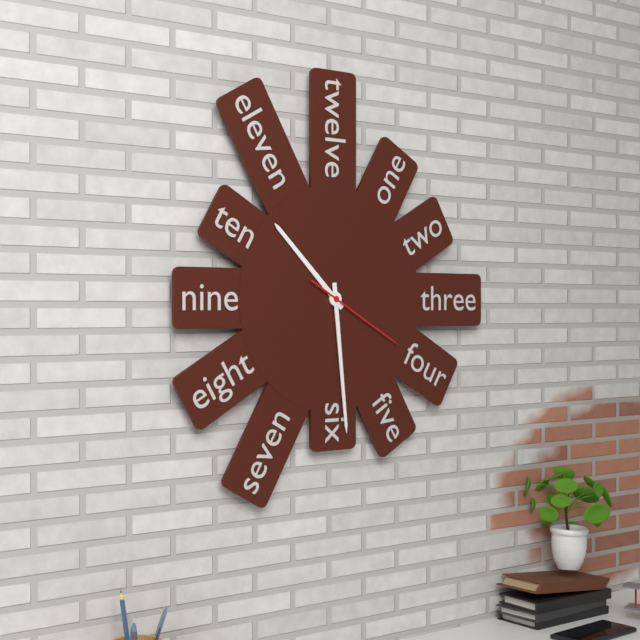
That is 10.29.20
